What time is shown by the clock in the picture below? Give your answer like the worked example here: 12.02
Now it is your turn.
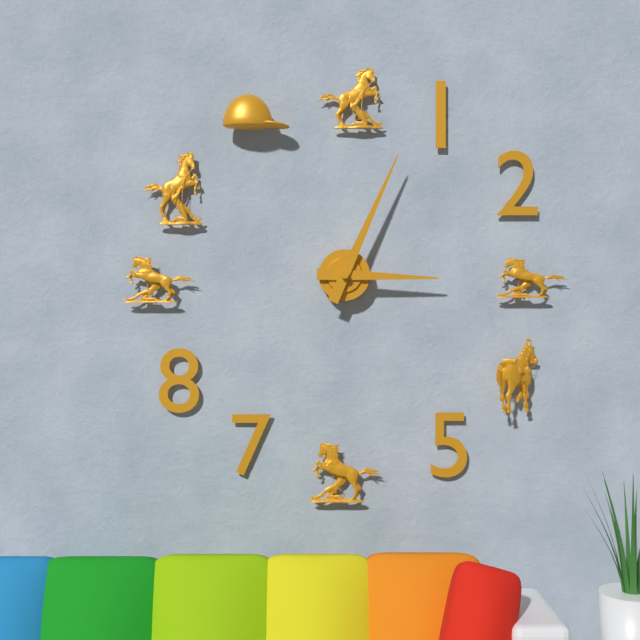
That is 3.04
